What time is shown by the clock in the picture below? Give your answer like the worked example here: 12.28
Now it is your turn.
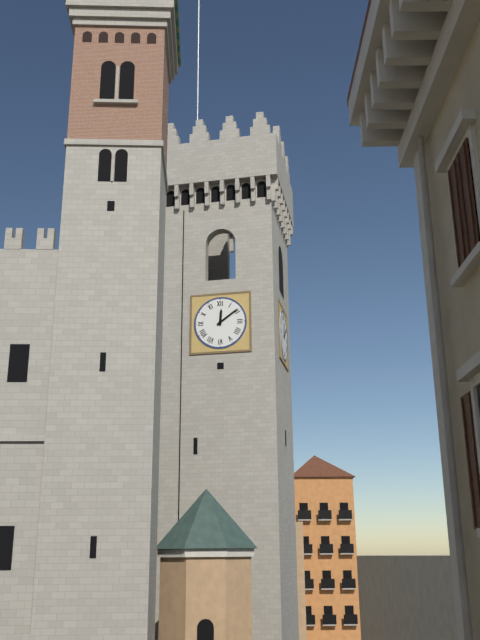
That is 12.09
